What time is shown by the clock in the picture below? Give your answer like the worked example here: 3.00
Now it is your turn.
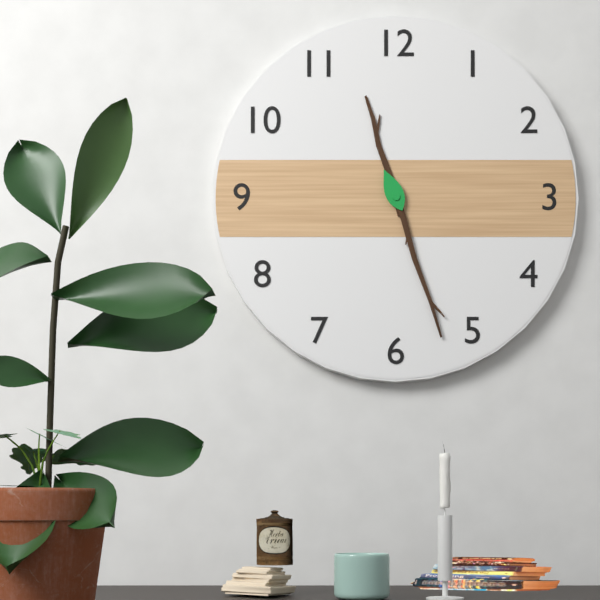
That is 11.27
